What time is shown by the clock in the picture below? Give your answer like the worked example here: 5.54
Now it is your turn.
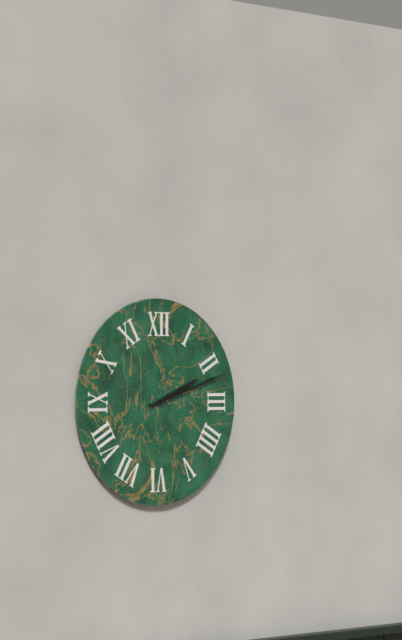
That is 2.12
